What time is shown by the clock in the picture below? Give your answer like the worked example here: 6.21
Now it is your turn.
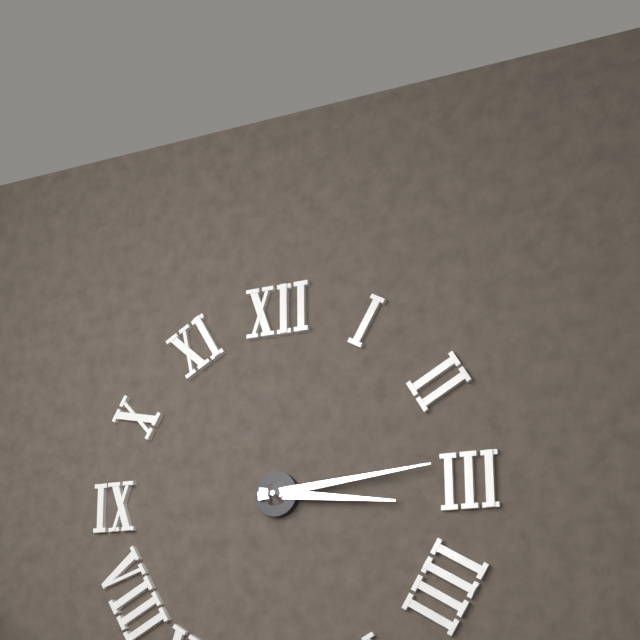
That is 3.14
